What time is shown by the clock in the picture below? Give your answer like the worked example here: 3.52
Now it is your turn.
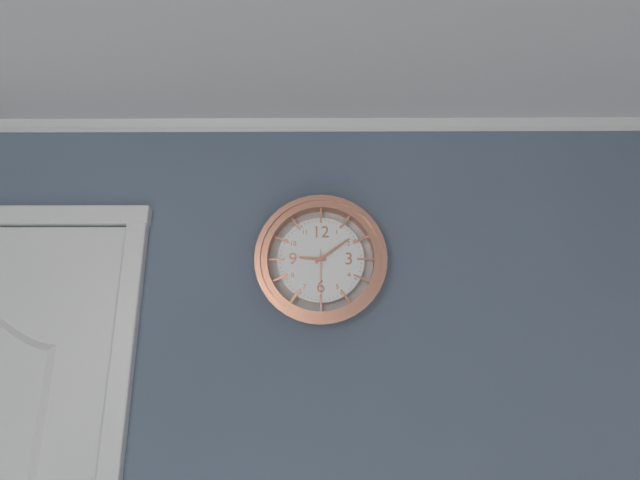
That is 9.09
